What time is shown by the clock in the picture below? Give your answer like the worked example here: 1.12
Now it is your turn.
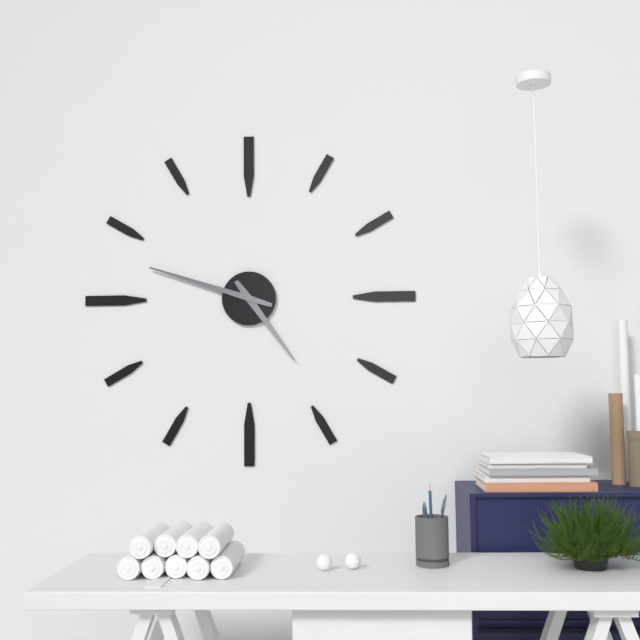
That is 4.48
